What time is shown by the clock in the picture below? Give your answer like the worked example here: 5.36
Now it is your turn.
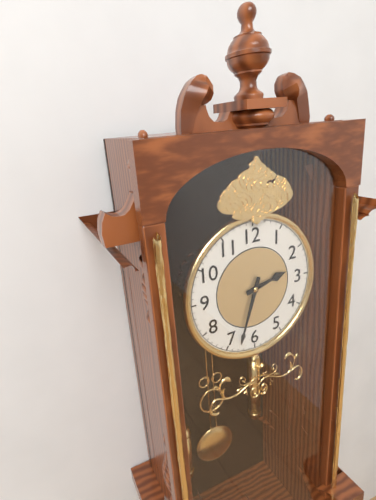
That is 2.33
